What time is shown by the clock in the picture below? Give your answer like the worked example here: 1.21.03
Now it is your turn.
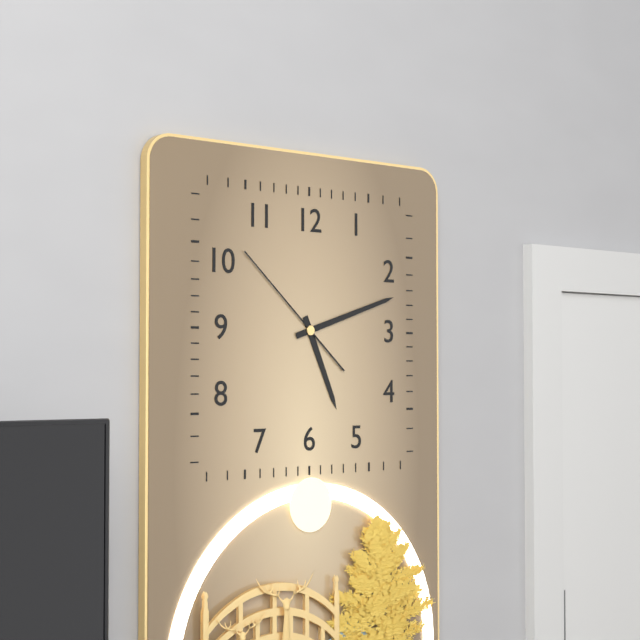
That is 5.12.52
